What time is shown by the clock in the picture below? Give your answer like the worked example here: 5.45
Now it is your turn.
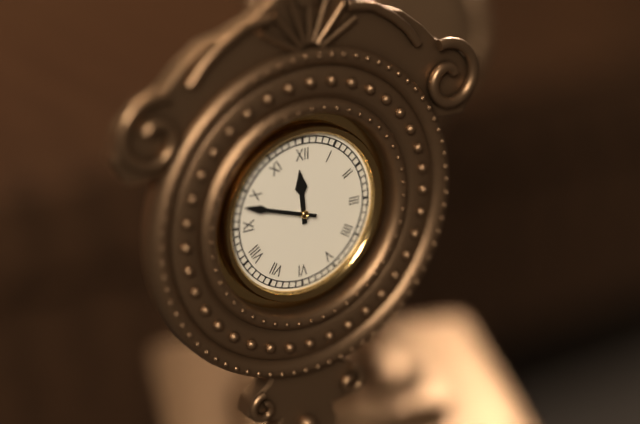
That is 11.48
